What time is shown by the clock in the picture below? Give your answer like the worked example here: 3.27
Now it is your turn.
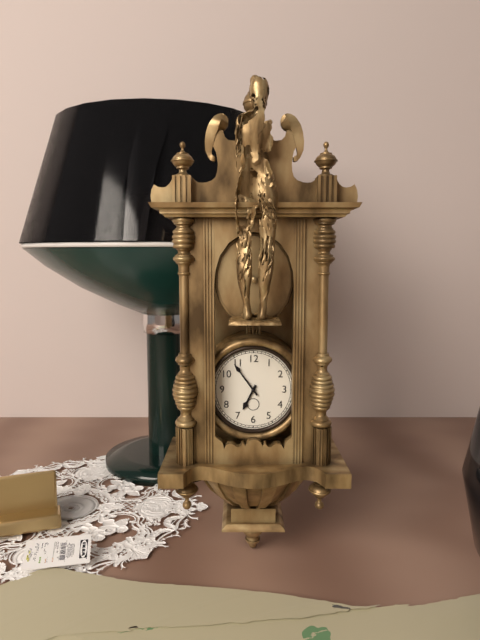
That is 6.54
